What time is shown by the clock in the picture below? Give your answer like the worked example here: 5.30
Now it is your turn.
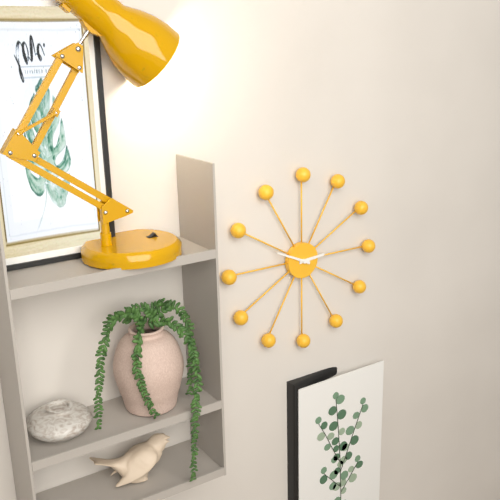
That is 2.49
